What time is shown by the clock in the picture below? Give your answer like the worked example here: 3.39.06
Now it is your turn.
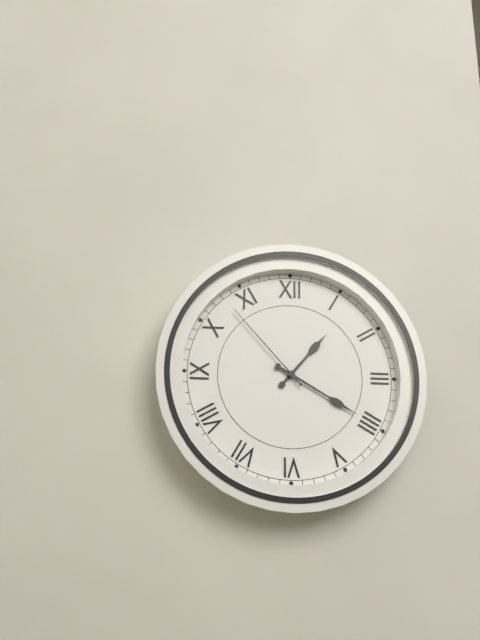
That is 1.20.53
